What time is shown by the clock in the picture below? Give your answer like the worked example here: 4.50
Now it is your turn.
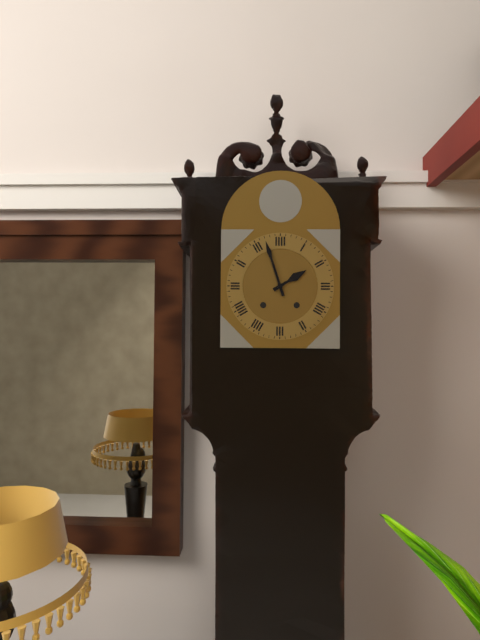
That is 1.57
